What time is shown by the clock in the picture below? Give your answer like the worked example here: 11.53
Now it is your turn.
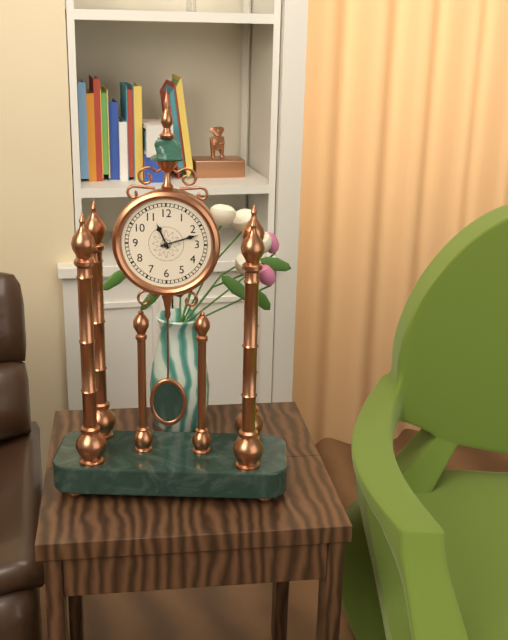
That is 11.12
